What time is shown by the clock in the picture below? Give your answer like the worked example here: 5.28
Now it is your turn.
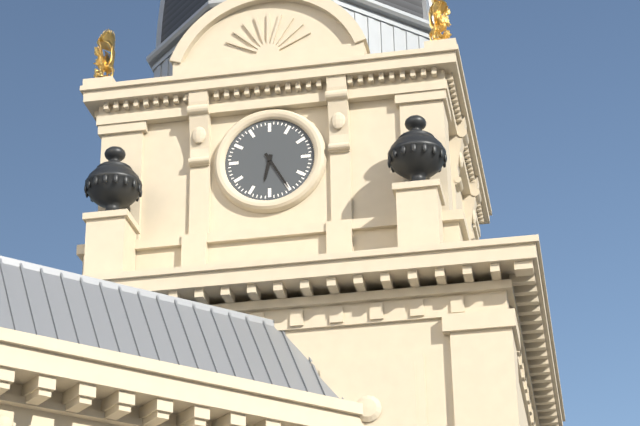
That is 6.25
